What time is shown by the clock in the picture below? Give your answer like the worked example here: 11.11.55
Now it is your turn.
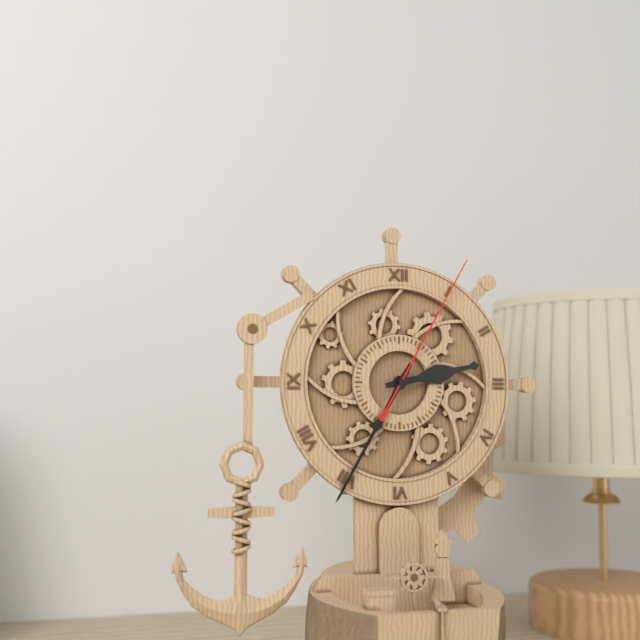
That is 2.35.05
